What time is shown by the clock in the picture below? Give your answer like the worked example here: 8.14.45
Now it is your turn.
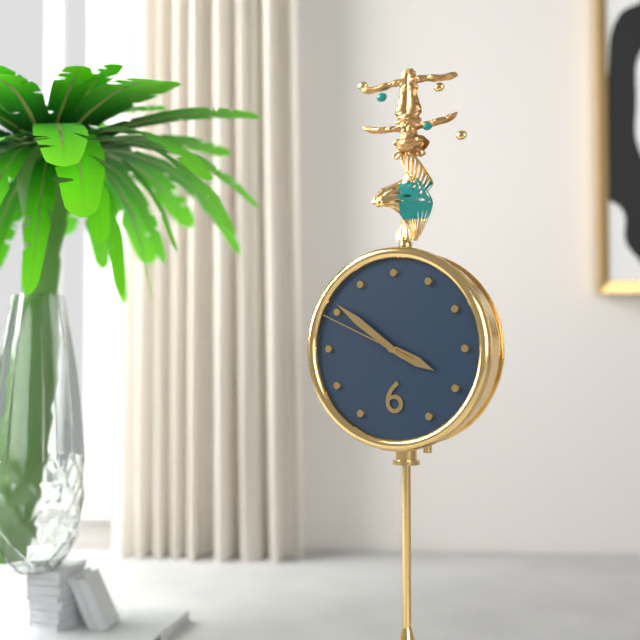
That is 3.51.49
